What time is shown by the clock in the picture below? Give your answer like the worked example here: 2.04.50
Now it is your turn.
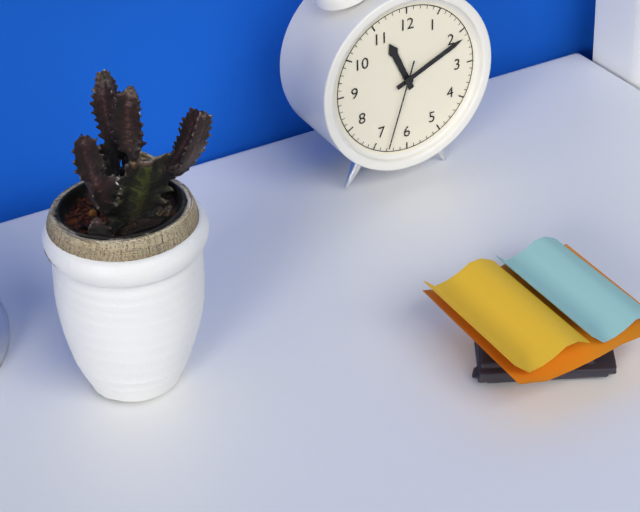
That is 11.11.33
